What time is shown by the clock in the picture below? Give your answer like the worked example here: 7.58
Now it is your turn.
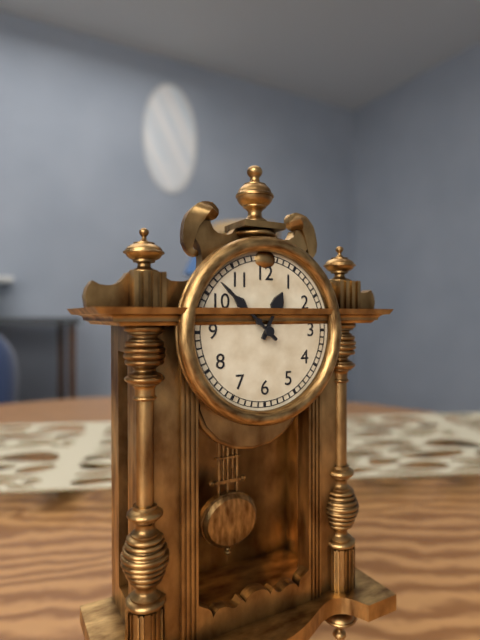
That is 12.52
